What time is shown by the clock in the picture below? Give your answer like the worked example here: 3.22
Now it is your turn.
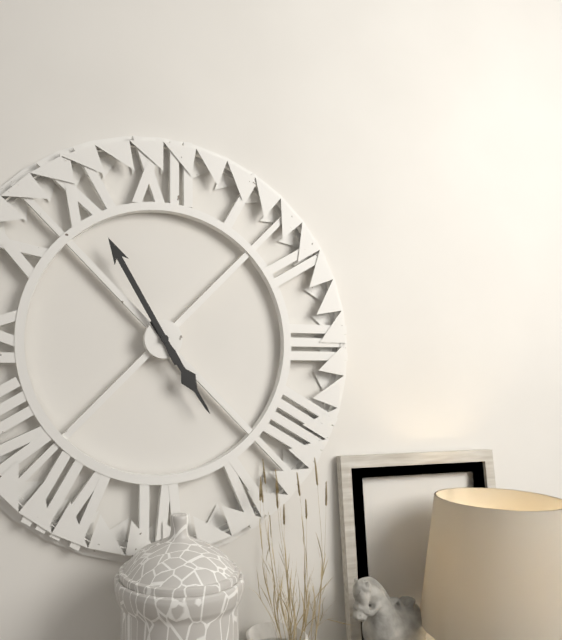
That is 4.55
